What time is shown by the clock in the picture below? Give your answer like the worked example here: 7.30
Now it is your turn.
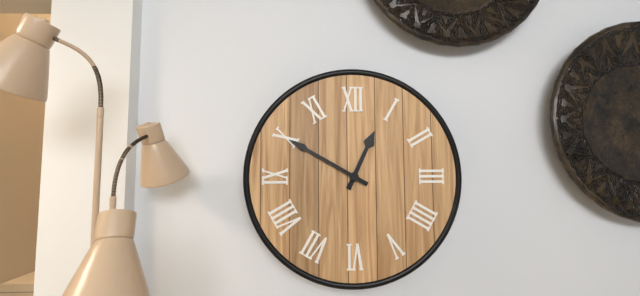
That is 12.50
